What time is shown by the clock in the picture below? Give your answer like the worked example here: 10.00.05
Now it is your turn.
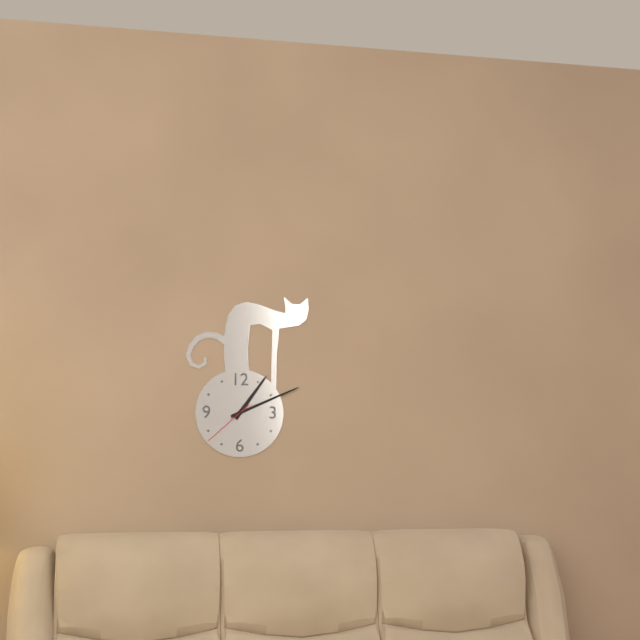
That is 1.11.38
